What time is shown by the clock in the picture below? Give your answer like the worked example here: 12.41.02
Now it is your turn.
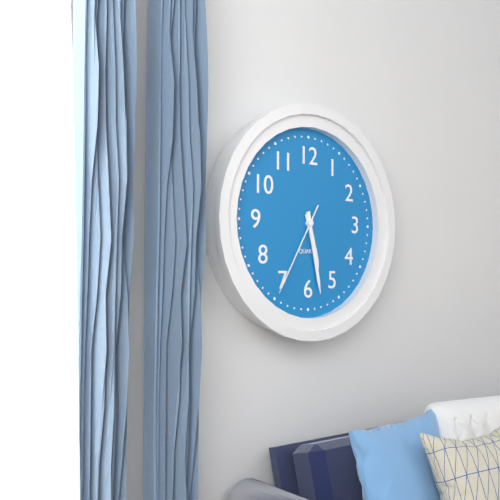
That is 5.28.35
